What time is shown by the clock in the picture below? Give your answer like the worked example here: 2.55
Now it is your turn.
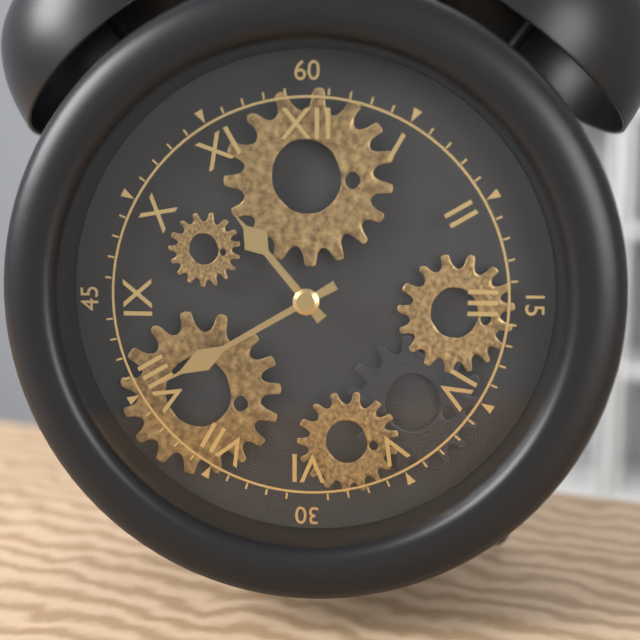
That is 10.40
